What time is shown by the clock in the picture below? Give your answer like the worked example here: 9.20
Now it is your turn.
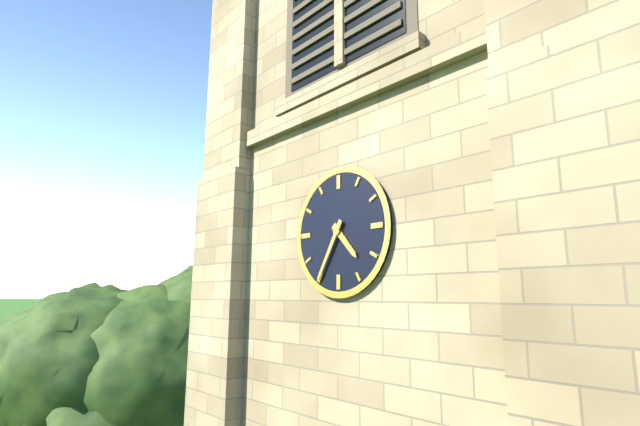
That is 4.35
